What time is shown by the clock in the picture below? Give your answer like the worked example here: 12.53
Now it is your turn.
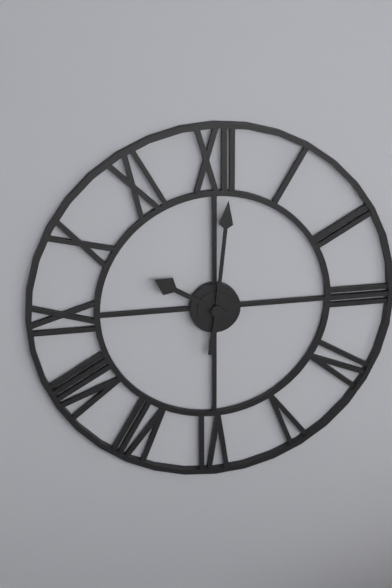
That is 10.01
